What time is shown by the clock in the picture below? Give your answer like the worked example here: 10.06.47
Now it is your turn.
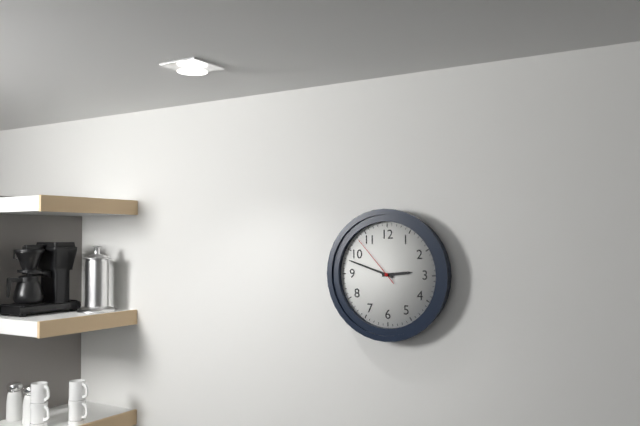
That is 2.48.53
